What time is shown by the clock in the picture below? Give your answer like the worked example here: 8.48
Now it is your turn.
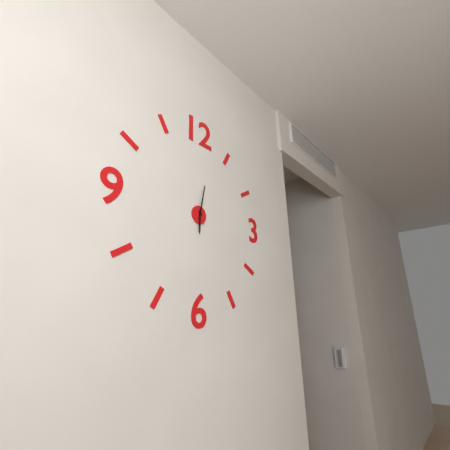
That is 6.02
